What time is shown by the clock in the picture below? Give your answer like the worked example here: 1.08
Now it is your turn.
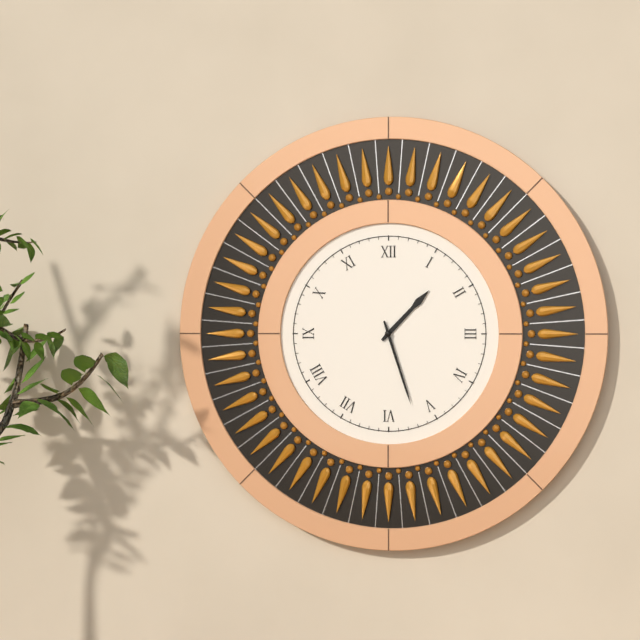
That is 1.27
